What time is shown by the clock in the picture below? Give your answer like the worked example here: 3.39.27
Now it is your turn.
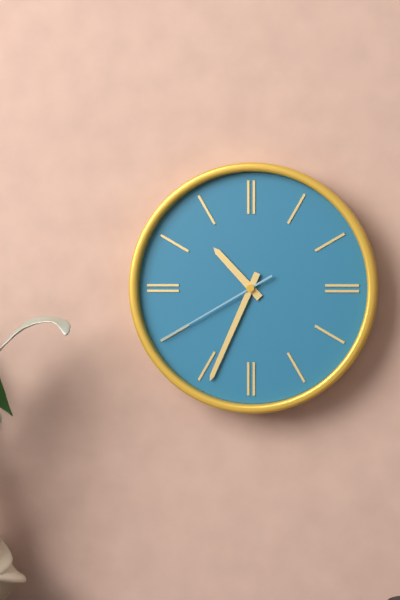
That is 10.34.40
